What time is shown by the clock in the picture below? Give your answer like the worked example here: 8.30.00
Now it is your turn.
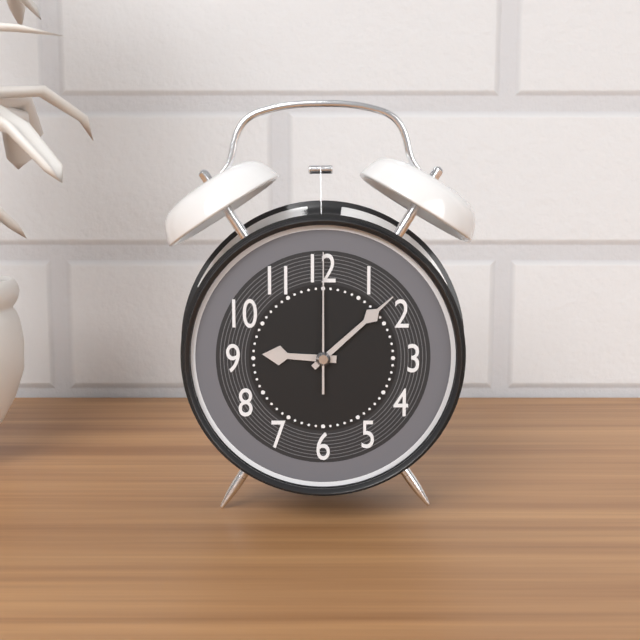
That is 9.08.00
